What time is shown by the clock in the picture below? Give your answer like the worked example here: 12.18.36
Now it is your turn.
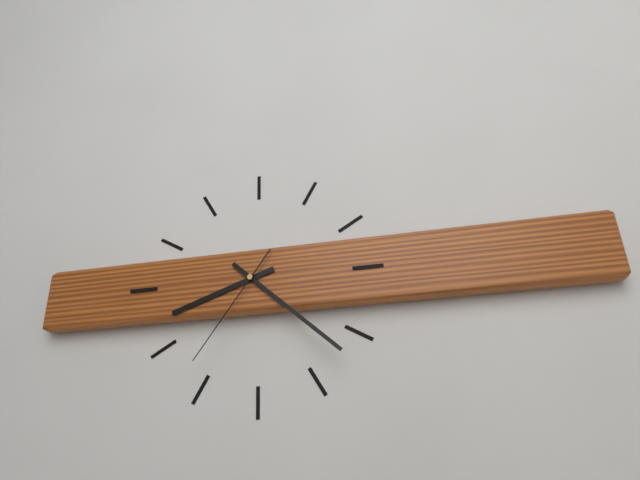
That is 8.22.36
